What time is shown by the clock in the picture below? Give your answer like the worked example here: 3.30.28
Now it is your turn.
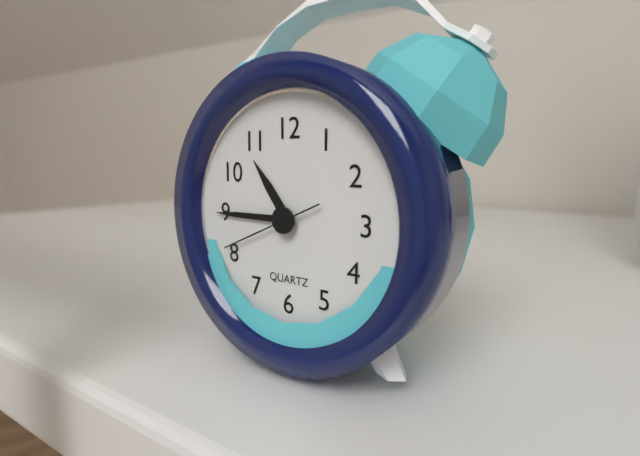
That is 10.45.41
